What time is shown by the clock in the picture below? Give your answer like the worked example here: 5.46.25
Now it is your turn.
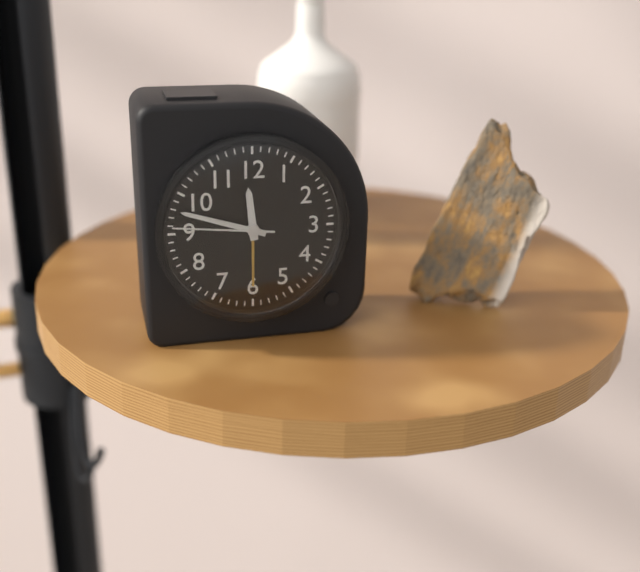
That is 11.48.46
